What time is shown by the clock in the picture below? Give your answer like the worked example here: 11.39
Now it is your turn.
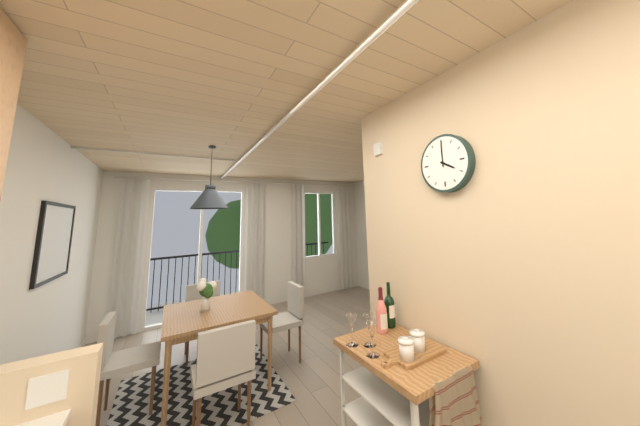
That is 4.00
